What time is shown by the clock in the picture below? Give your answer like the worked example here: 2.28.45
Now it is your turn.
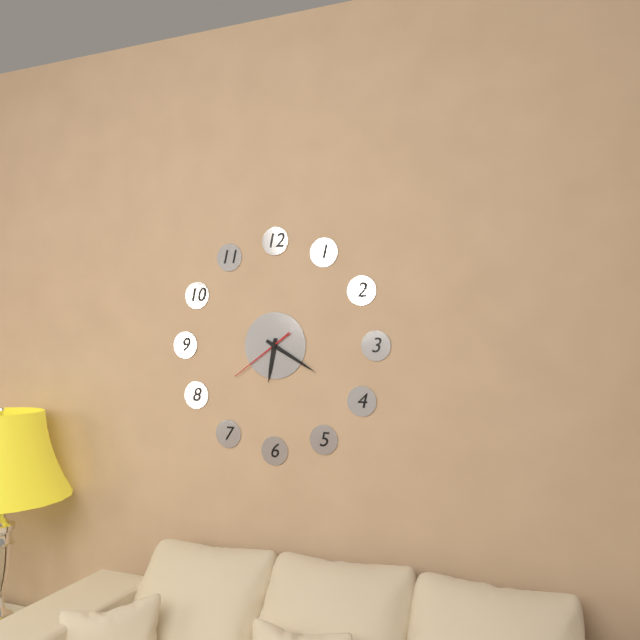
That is 6.20.39
